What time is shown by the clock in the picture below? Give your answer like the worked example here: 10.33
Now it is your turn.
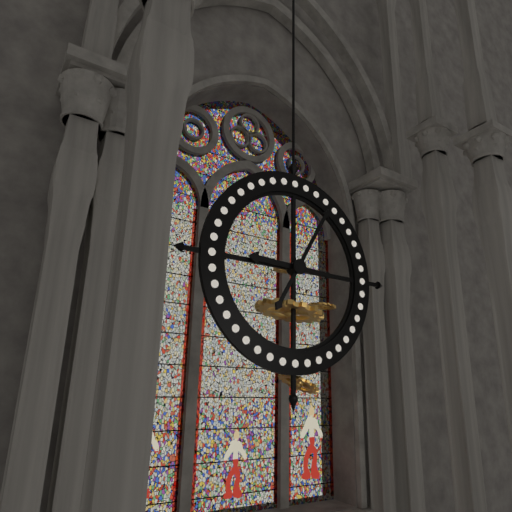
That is 9.05
